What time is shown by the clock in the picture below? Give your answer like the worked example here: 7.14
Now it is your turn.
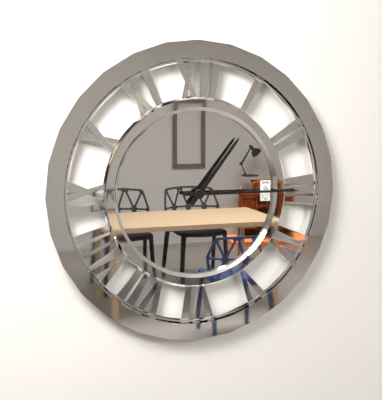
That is 1.15
